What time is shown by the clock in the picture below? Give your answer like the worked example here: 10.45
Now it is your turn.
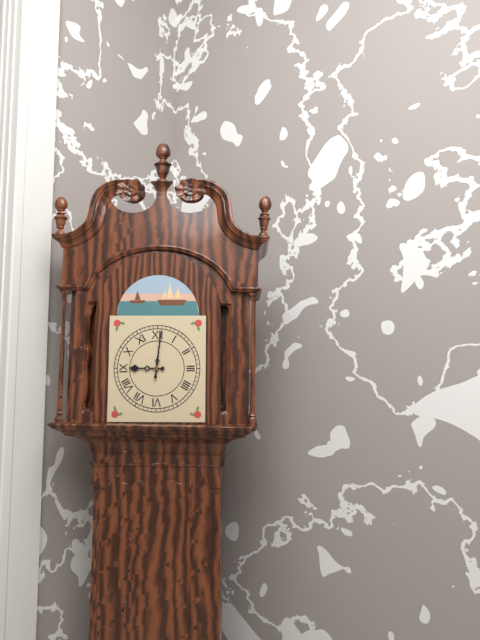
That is 9.01
